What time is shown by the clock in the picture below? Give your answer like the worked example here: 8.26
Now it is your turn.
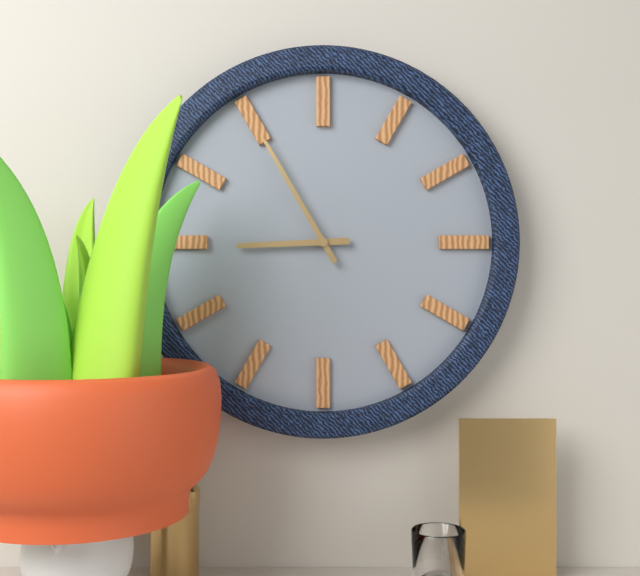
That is 8.55
